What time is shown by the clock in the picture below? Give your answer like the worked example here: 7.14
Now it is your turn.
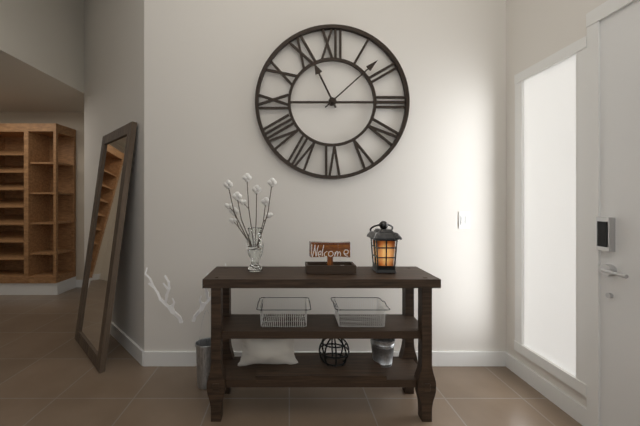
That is 11.08
